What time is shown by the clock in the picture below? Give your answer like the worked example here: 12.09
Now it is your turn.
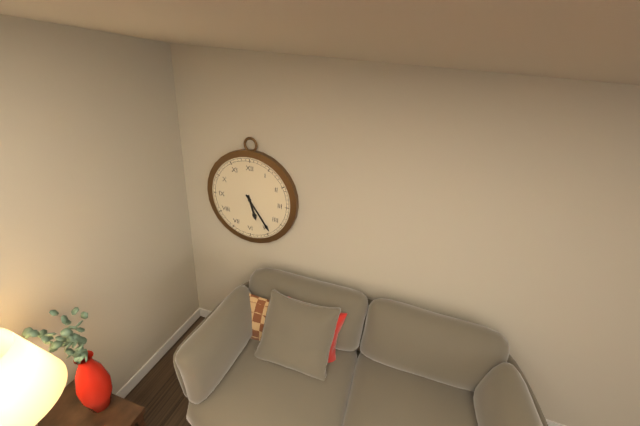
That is 5.24
